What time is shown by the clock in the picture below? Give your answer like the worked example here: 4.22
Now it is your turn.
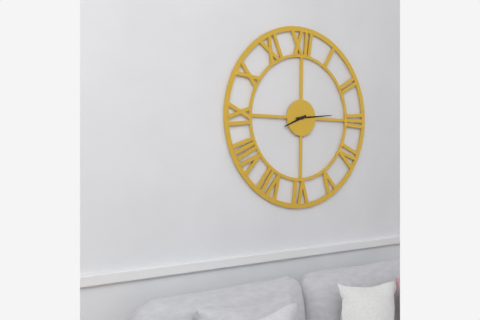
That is 8.14
